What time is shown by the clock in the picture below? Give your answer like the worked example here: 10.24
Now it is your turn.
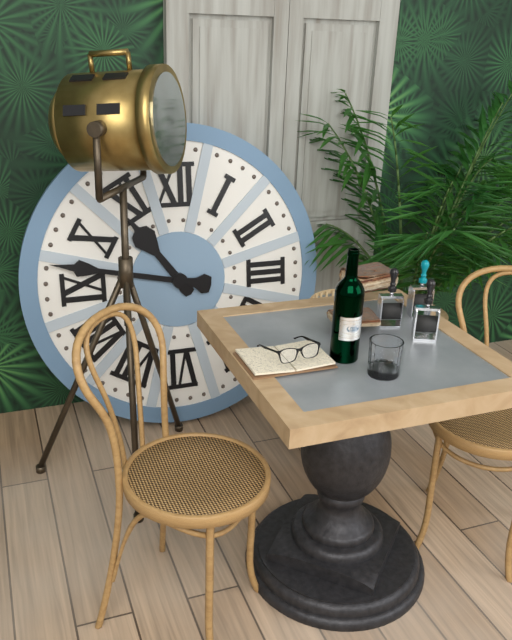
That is 10.47
